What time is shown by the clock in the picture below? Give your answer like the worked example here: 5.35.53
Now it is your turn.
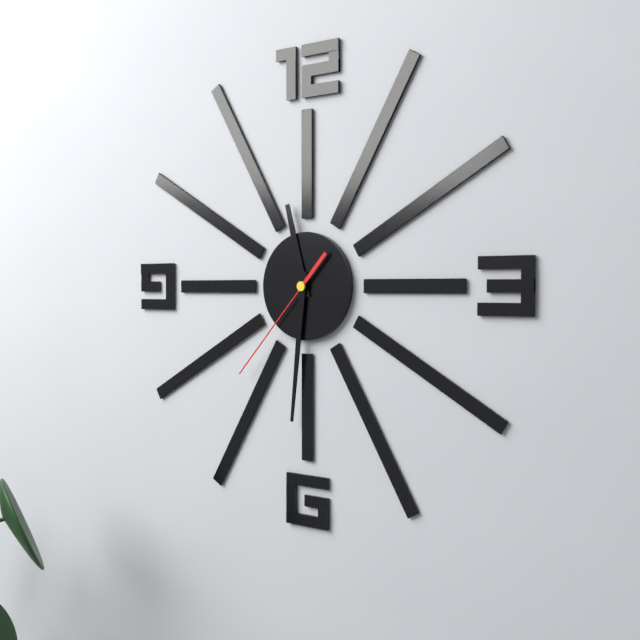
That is 11.31.37
